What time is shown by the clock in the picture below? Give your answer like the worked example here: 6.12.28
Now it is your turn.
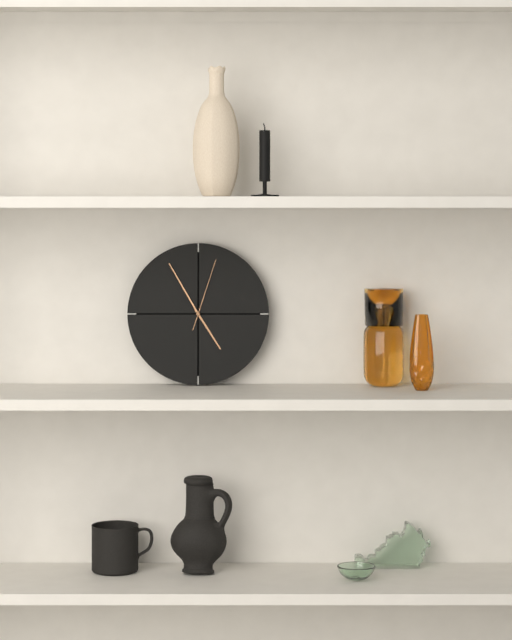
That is 4.55.03
